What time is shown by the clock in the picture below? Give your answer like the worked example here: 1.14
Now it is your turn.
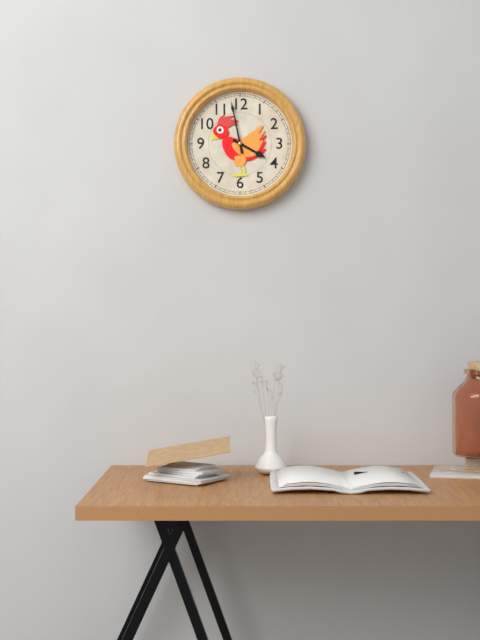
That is 3.58
